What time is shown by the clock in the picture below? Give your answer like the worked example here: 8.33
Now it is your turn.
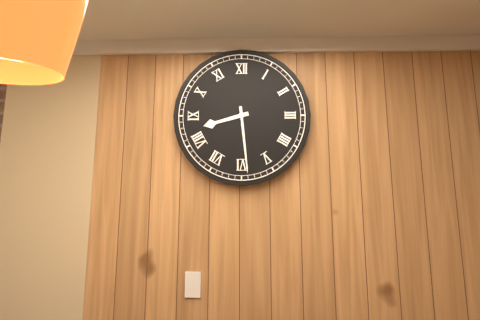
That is 8.29
